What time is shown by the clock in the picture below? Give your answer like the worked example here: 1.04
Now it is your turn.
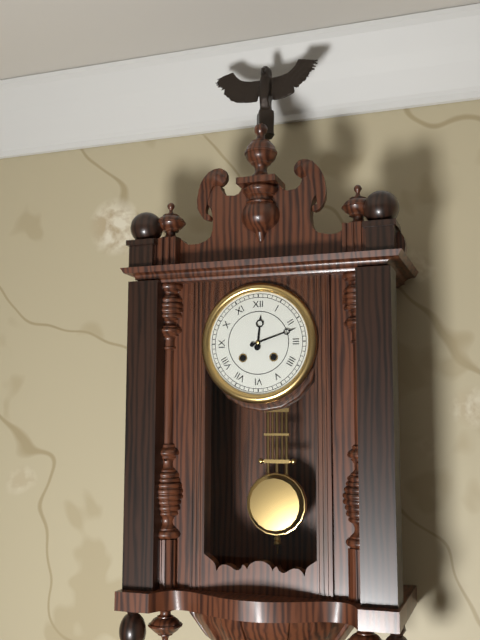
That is 12.12
